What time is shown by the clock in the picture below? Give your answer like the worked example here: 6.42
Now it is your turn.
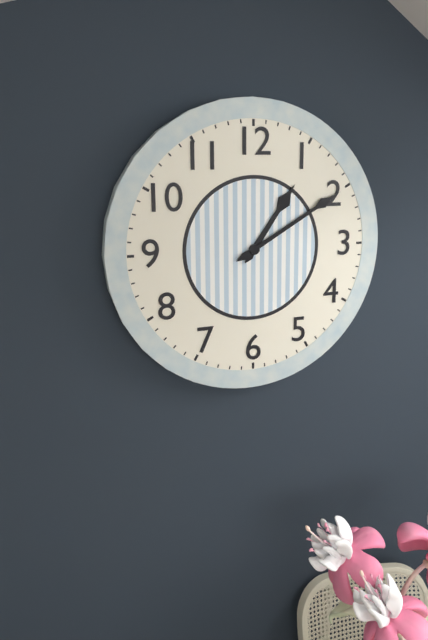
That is 1.10
